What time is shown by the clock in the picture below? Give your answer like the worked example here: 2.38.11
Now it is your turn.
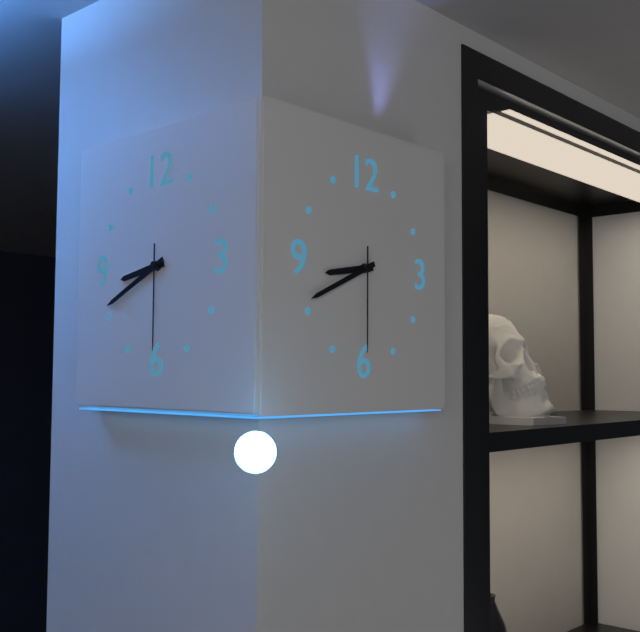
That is 8.41.30
